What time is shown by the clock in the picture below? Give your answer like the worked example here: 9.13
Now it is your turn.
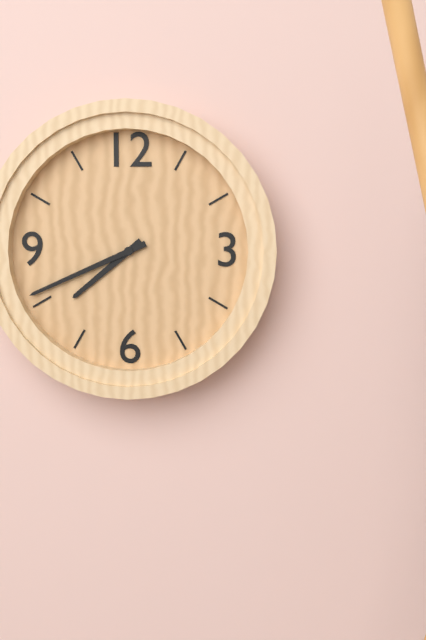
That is 7.41
